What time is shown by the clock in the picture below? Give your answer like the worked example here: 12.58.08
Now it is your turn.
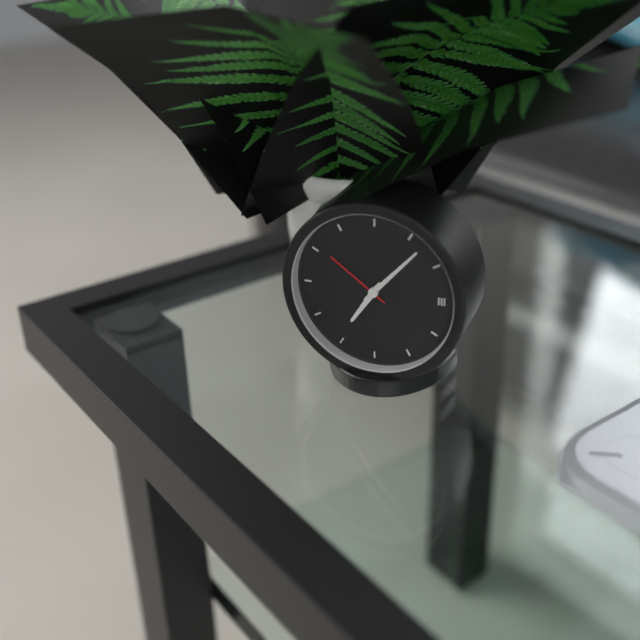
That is 7.07.51
